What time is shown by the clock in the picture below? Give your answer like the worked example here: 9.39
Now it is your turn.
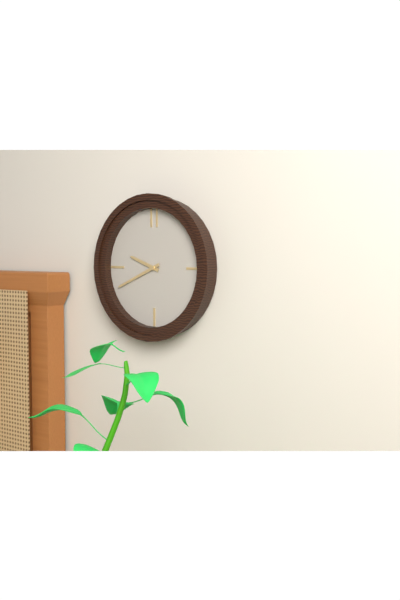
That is 9.41
